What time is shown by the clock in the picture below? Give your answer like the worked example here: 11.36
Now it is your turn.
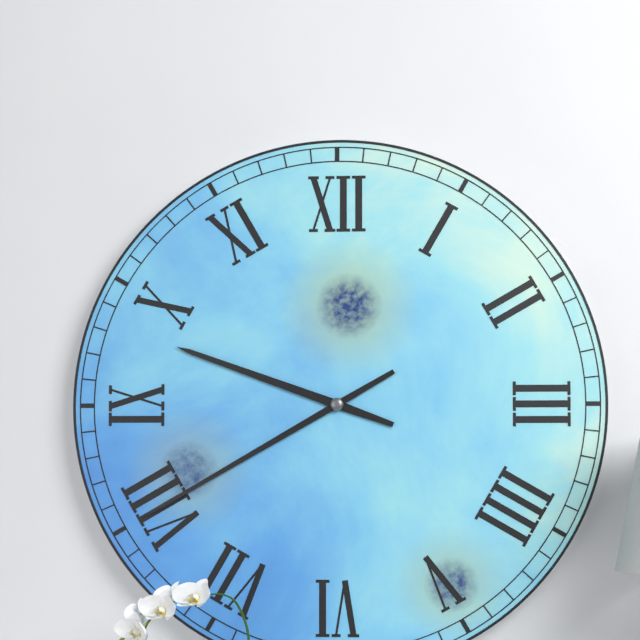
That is 9.40
